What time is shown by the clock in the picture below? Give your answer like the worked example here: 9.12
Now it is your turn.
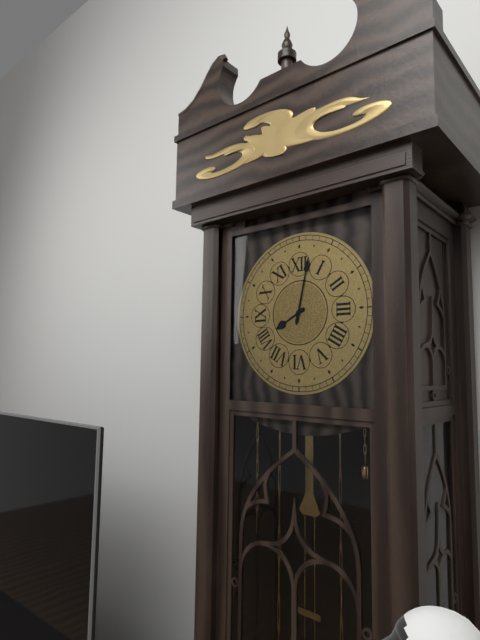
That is 8.02
